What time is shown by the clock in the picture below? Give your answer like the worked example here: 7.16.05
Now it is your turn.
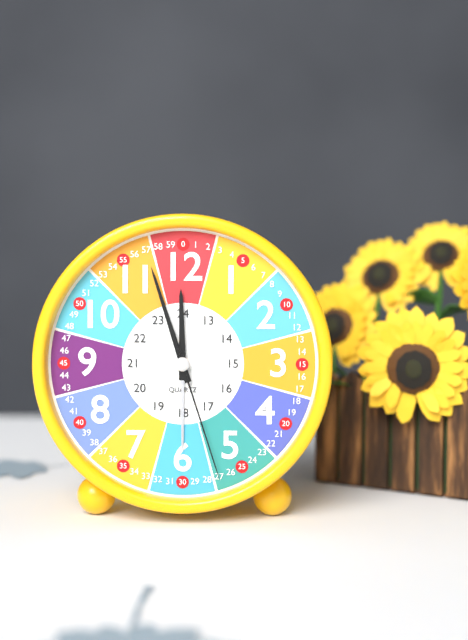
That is 11.57.27
